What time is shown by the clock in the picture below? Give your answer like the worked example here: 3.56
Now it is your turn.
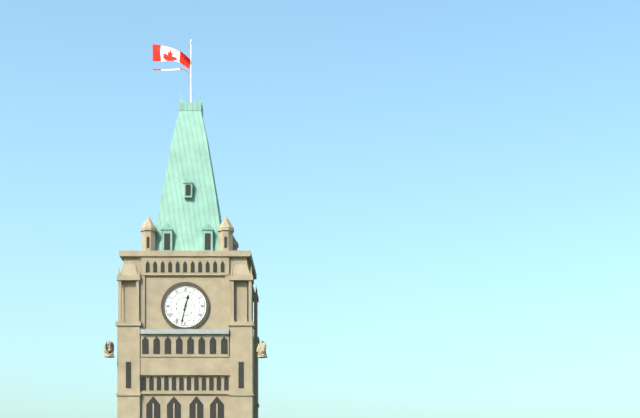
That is 12.32
